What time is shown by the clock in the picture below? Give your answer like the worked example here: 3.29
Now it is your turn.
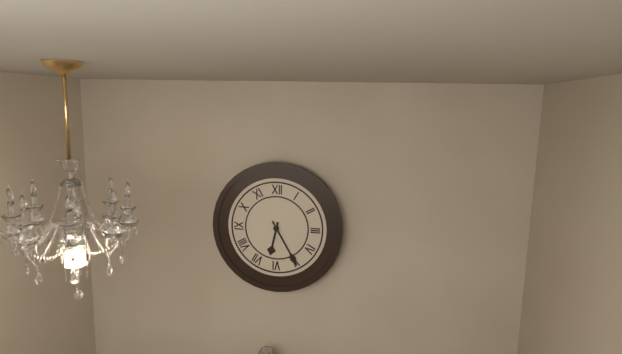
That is 6.25
